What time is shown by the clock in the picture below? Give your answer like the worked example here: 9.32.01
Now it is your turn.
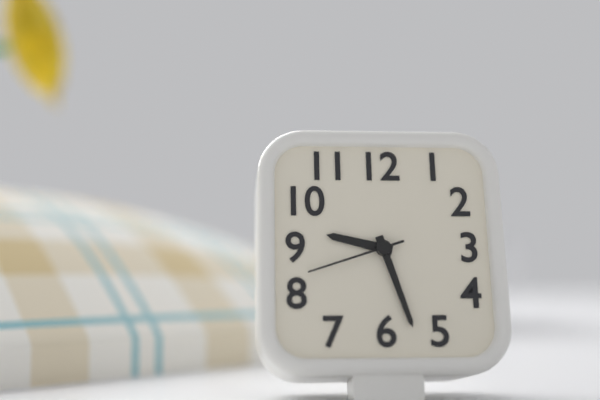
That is 9.27.42
